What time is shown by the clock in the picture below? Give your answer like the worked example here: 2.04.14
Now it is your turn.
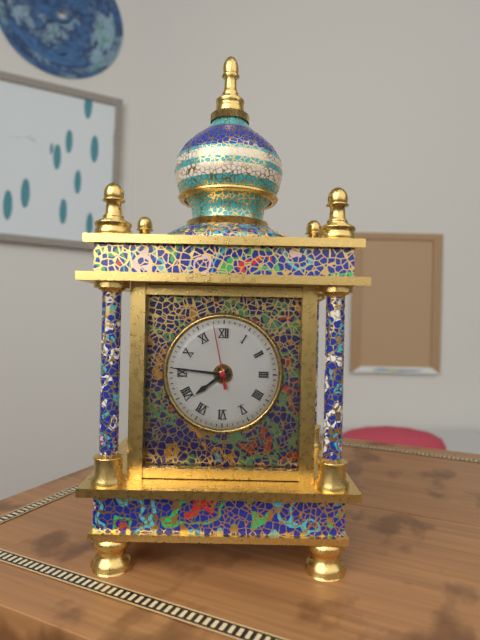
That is 7.46.58
